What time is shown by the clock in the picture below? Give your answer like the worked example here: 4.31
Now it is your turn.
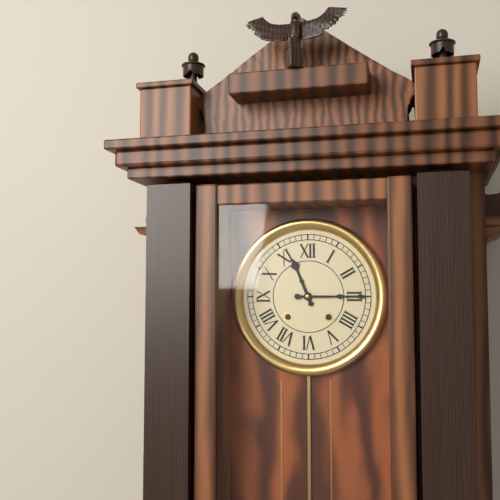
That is 11.15
